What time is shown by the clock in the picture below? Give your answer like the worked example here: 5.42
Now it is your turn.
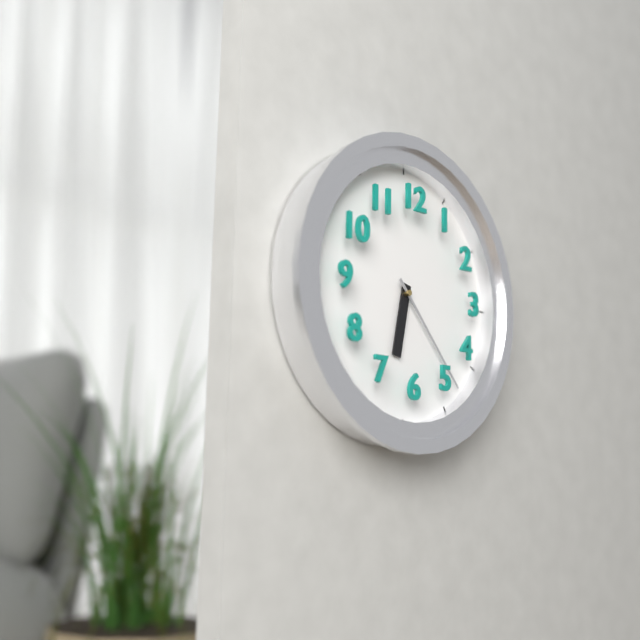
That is 6.23
